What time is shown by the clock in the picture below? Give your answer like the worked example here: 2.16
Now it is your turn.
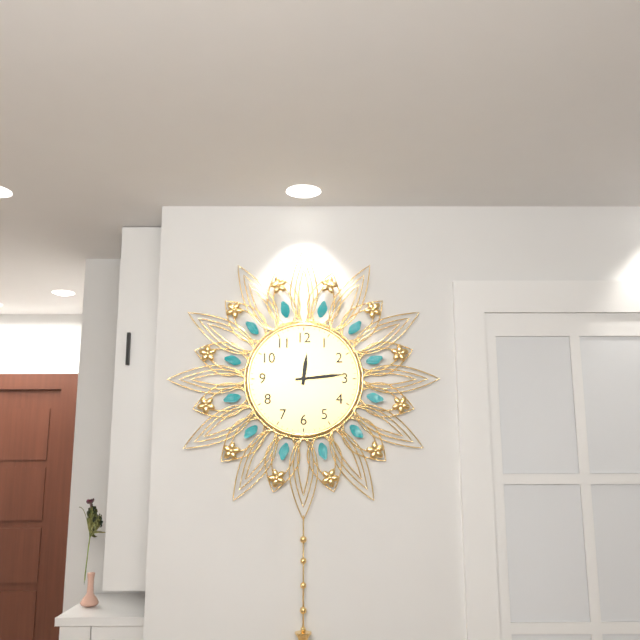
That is 12.14
